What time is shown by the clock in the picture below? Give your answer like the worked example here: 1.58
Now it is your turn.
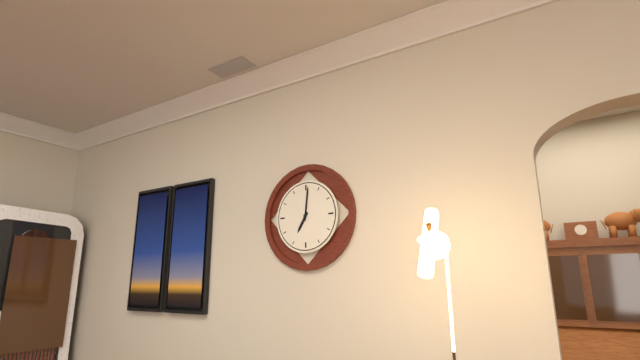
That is 7.01
